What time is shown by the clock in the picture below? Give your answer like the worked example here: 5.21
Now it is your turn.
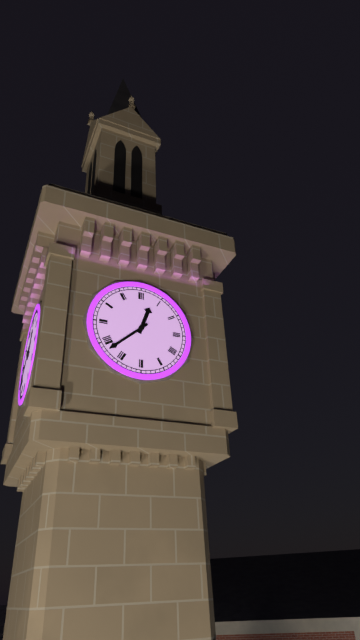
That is 12.38
